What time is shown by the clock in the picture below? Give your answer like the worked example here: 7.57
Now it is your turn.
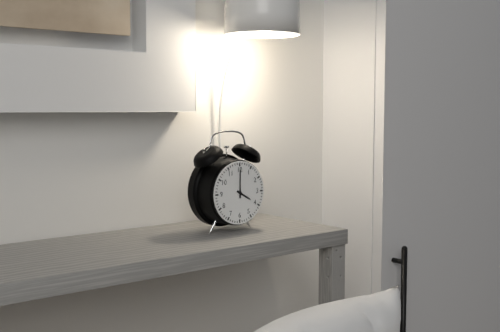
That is 4.00
